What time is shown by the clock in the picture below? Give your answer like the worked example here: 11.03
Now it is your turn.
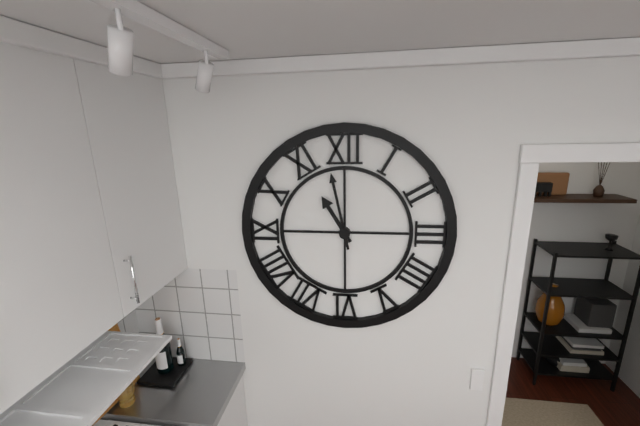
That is 10.58
